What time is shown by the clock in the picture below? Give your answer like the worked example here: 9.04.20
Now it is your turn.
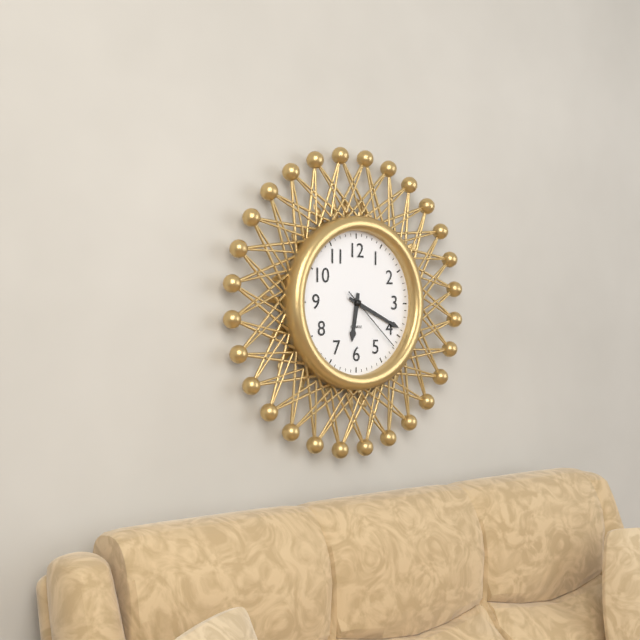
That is 6.19.22
